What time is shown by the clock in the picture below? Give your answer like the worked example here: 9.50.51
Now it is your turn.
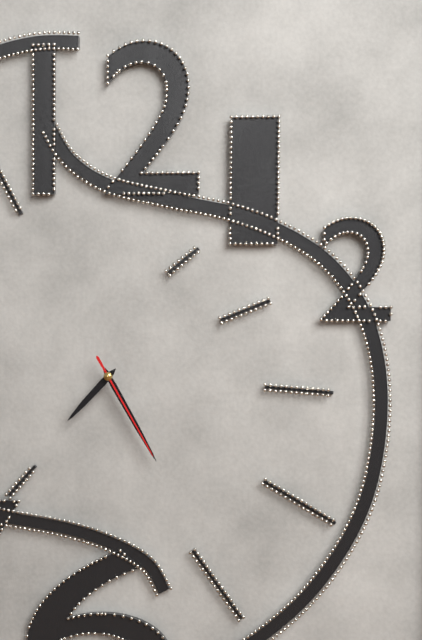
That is 7.25.25
